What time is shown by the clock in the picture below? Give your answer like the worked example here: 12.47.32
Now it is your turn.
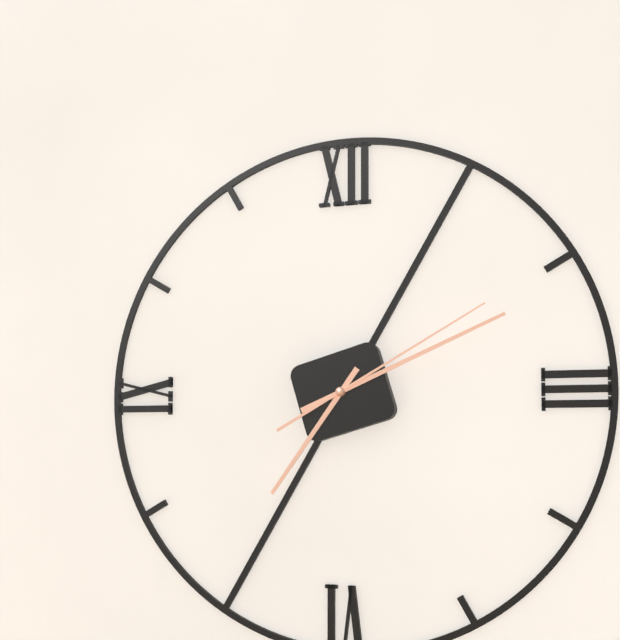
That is 7.11.10
